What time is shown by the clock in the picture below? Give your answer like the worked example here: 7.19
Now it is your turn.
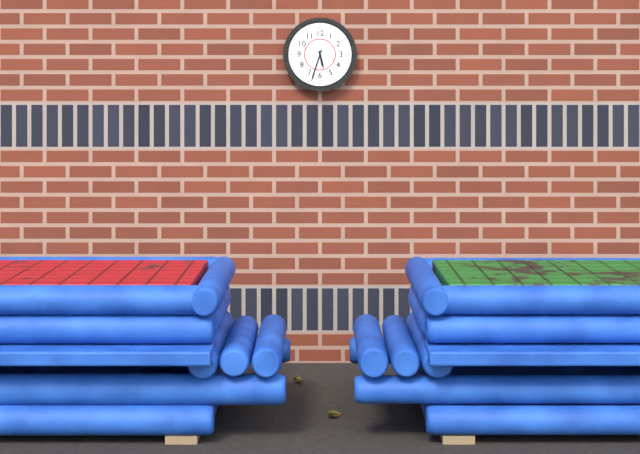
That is 5.33
